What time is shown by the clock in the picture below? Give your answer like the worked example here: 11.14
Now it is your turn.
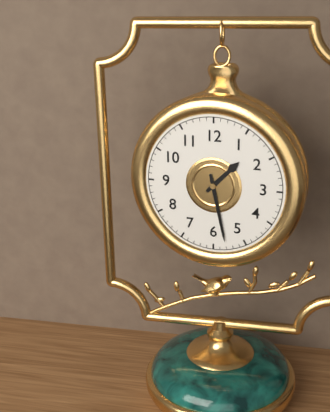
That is 1.28
